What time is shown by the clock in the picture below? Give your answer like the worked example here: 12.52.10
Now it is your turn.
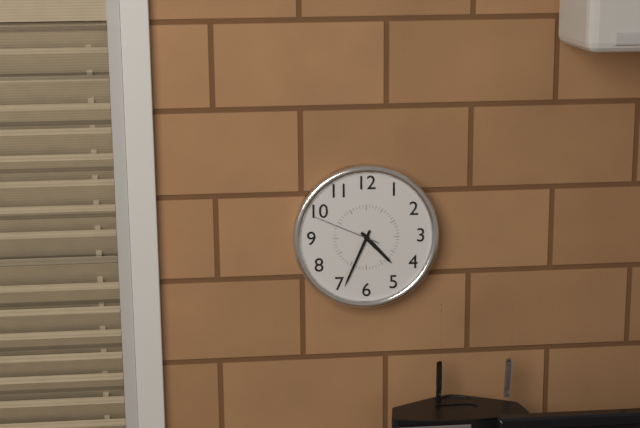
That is 4.34.49
